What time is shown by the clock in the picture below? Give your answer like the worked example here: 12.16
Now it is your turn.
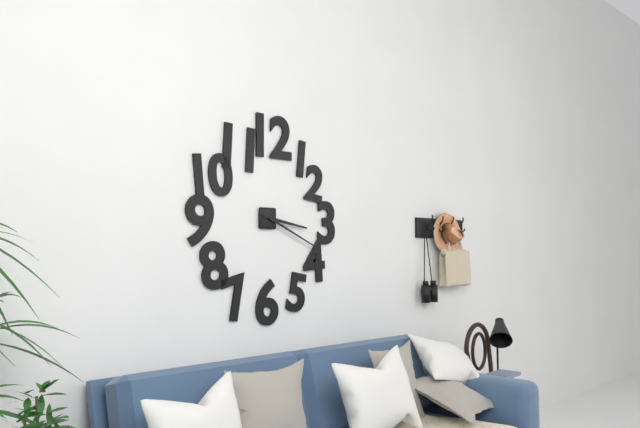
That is 3.19
